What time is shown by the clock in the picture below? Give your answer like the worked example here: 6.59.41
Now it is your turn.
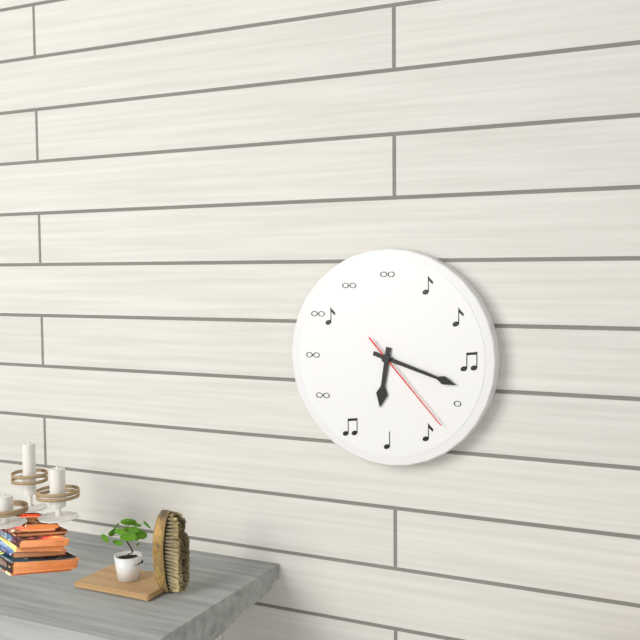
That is 6.18.23
